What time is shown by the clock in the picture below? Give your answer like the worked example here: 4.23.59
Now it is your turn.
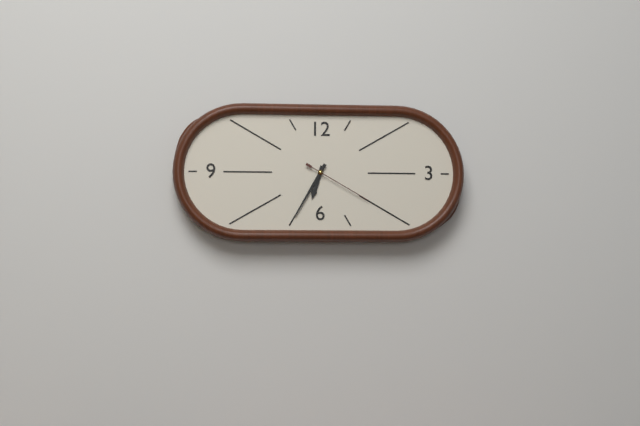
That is 6.35.20
